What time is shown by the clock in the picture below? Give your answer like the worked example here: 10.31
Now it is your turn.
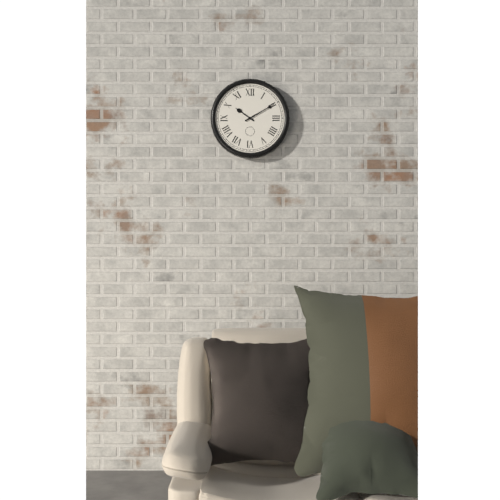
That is 10.10
